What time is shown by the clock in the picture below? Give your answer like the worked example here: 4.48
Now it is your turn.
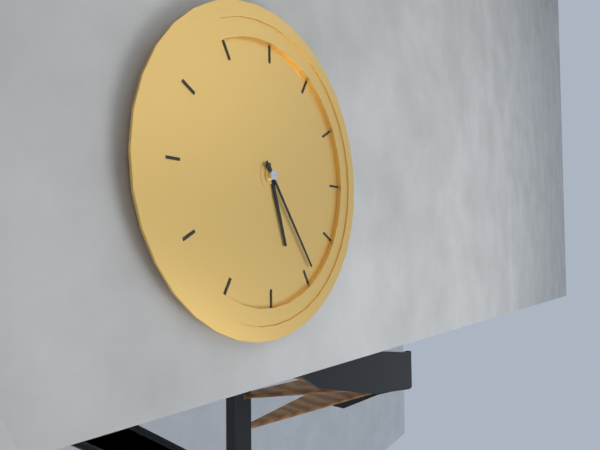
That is 5.24
